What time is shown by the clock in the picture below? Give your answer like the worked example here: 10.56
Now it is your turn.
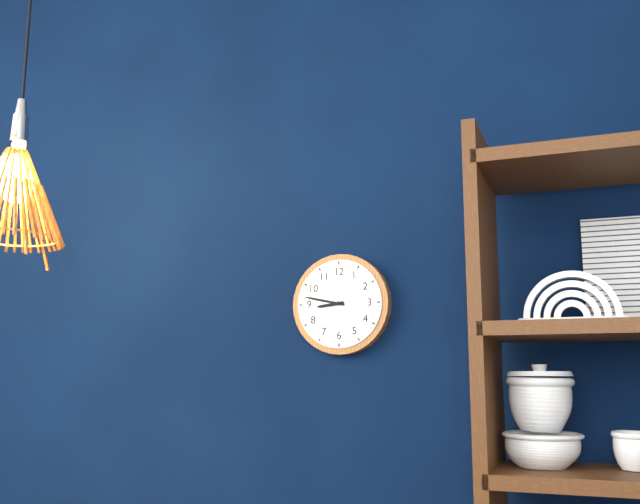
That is 8.47
